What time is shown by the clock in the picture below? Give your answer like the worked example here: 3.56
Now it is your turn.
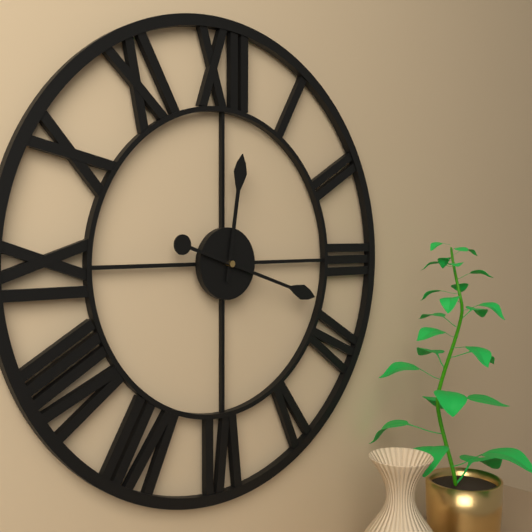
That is 12.18
